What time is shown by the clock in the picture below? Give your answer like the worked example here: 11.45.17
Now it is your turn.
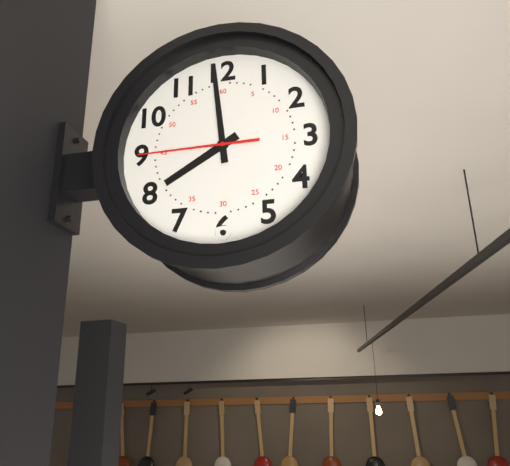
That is 7.59.45
